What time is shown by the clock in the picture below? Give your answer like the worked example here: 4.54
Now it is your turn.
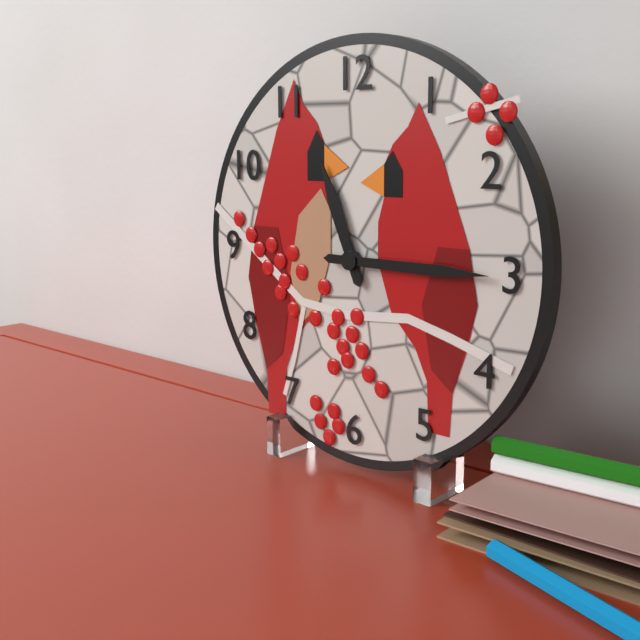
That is 11.15
